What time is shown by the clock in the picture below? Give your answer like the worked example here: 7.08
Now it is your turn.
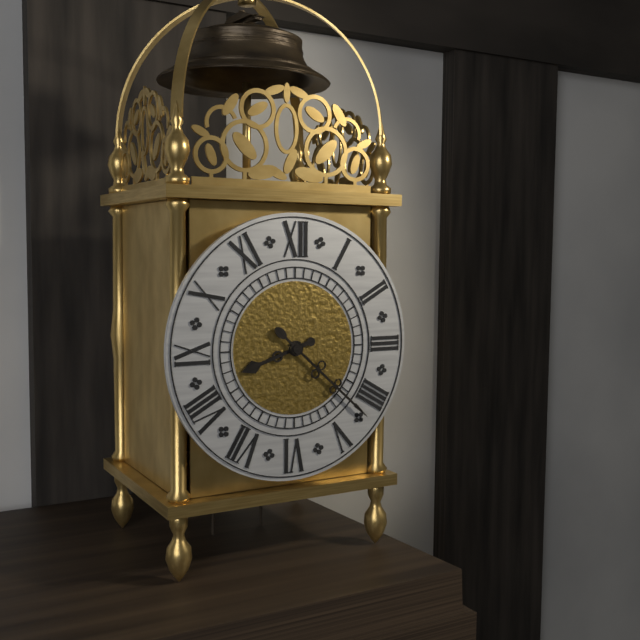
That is 8.22
